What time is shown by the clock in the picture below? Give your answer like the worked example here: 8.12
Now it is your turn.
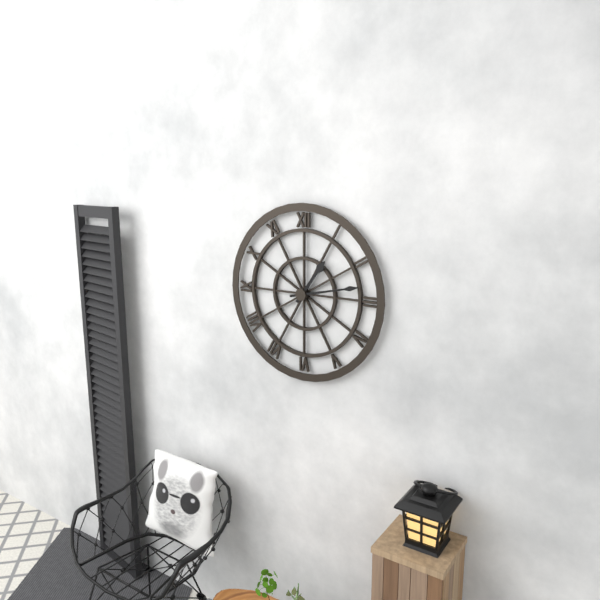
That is 1.13
